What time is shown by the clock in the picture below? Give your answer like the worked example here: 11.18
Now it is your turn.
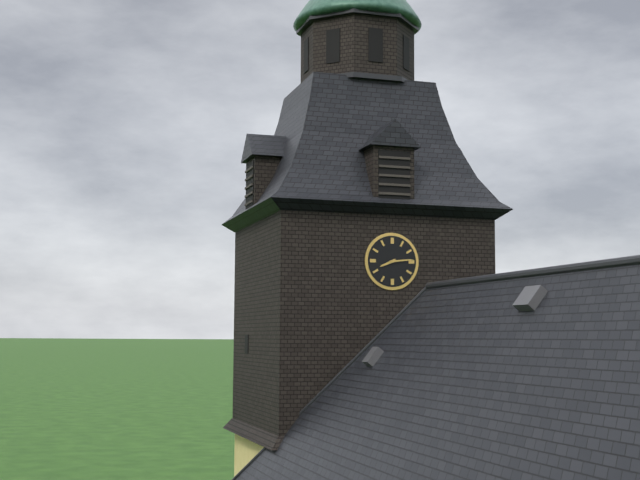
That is 8.14
